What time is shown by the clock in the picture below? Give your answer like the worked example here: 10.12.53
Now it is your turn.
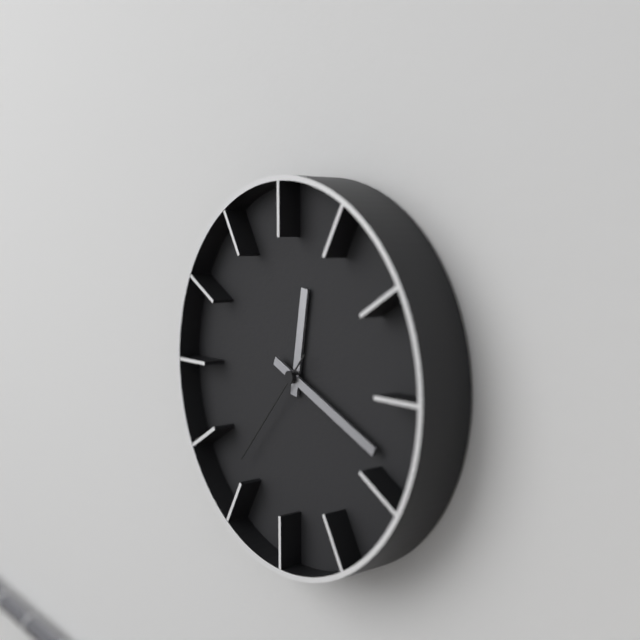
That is 12.19.37
